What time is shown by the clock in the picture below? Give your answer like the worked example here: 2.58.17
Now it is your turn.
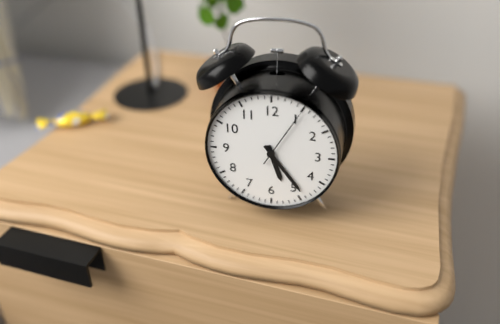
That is 5.24.05
